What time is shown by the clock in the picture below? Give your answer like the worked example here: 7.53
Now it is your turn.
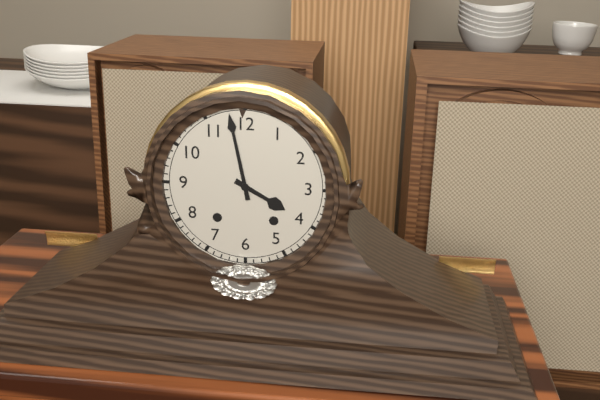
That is 3.58
